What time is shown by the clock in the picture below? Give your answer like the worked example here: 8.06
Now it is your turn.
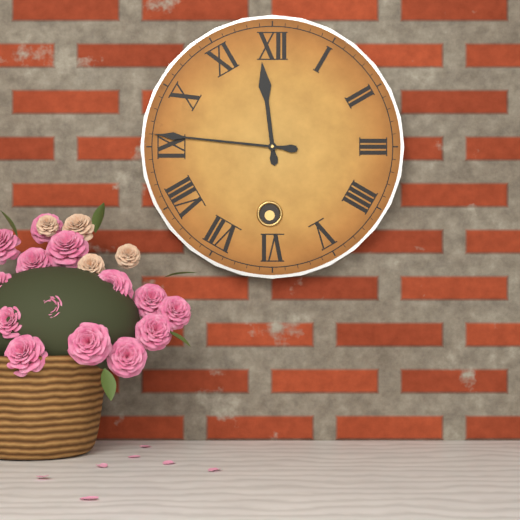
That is 11.46
